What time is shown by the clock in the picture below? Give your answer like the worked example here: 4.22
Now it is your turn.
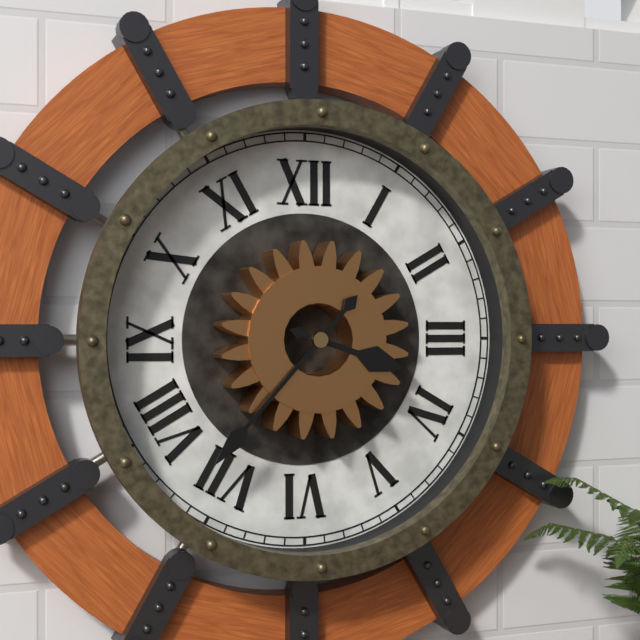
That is 3.37
